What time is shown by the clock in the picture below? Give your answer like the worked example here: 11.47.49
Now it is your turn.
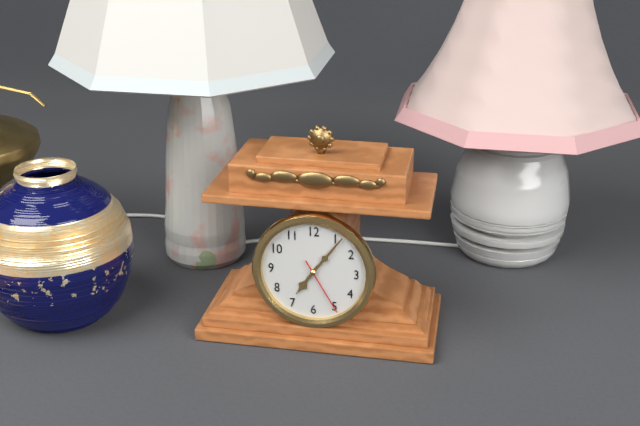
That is 7.06.25
